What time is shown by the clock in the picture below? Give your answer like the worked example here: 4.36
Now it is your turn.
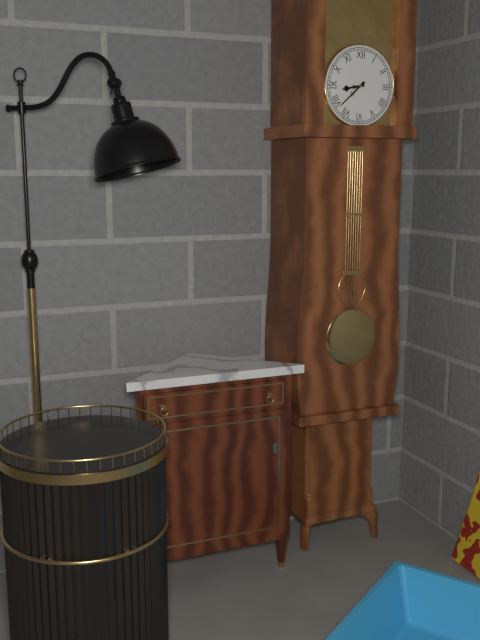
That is 8.38
